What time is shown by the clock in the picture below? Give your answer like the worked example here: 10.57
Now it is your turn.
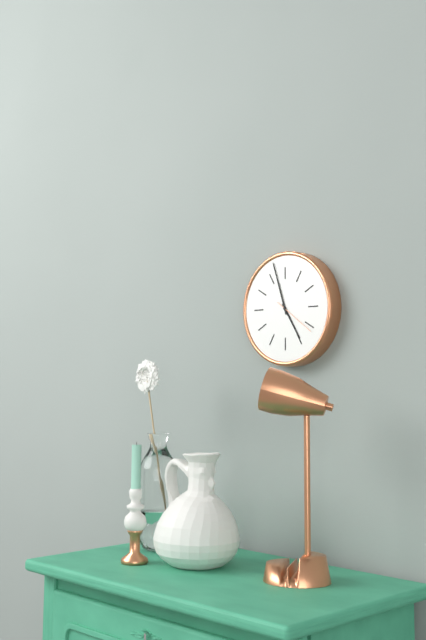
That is 4.57
